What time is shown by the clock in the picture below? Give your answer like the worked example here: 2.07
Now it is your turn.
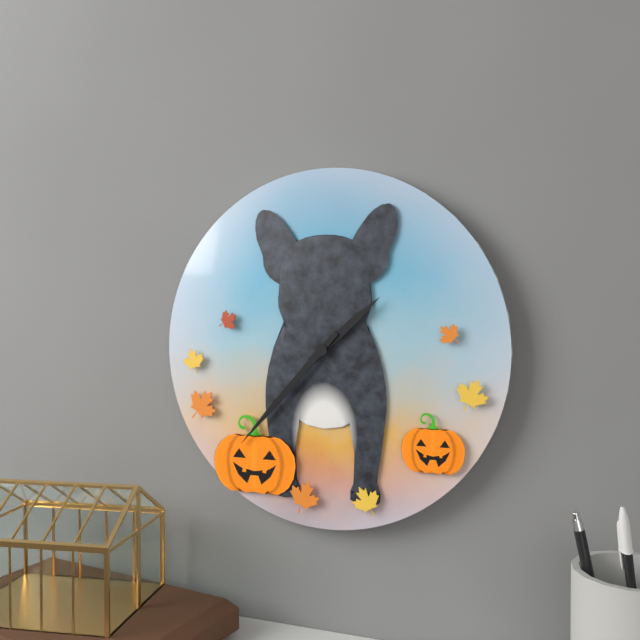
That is 1.37
